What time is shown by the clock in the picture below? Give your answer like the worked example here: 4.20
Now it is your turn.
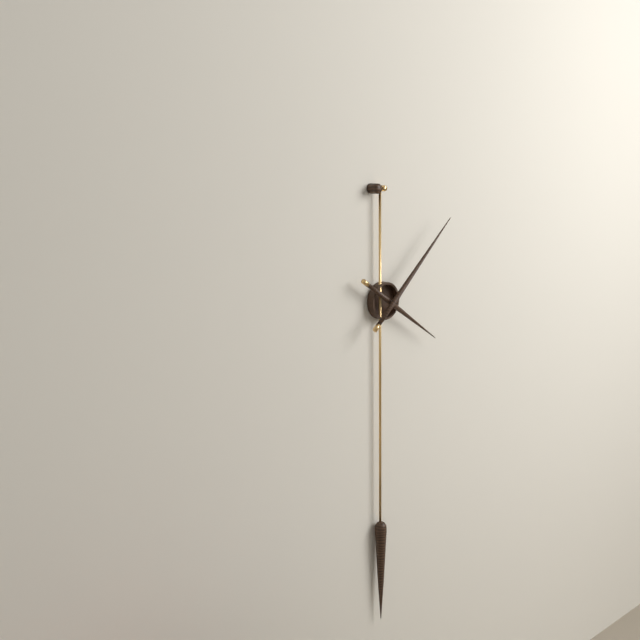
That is 4.08
